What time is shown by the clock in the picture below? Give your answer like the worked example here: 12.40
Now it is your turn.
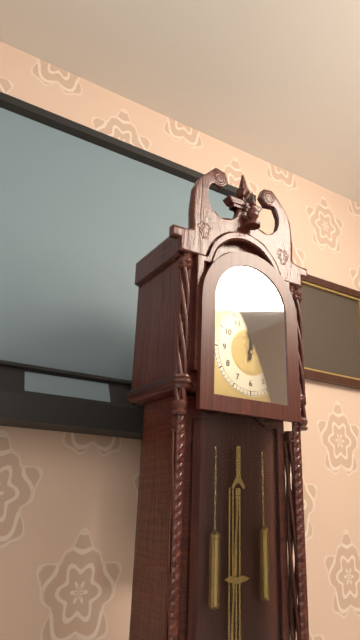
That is 12.02
